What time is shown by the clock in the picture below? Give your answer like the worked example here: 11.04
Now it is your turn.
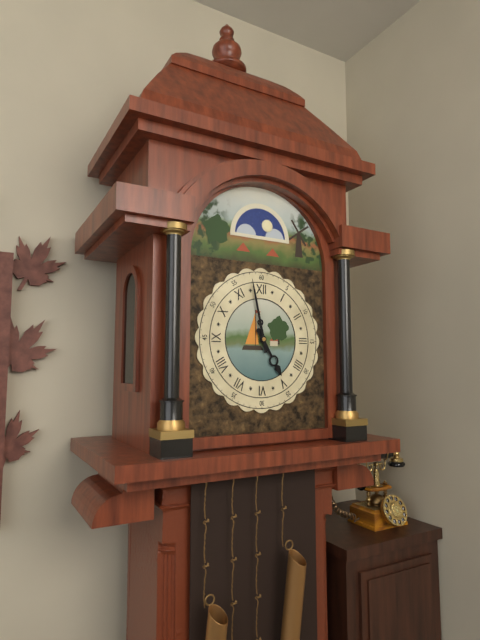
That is 4.58
